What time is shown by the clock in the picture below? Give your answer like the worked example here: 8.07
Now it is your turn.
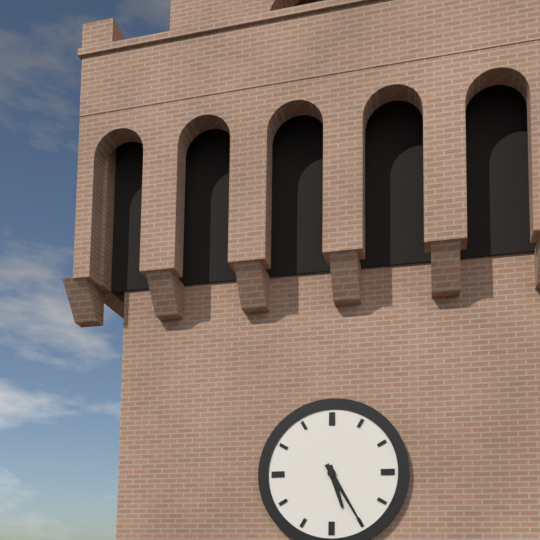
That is 5.25
